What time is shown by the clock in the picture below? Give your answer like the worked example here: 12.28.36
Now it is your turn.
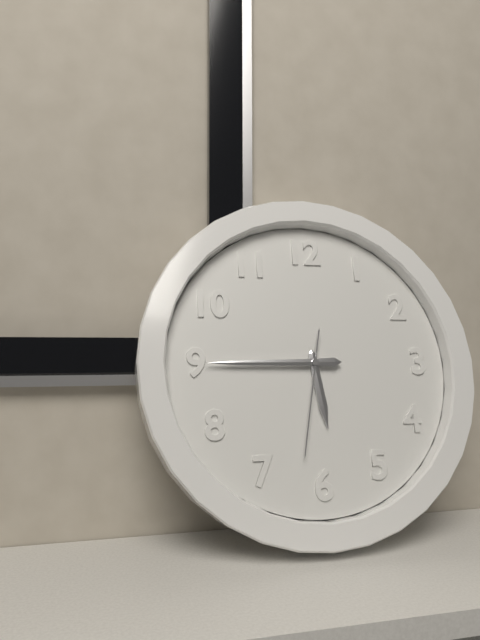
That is 5.45.32
